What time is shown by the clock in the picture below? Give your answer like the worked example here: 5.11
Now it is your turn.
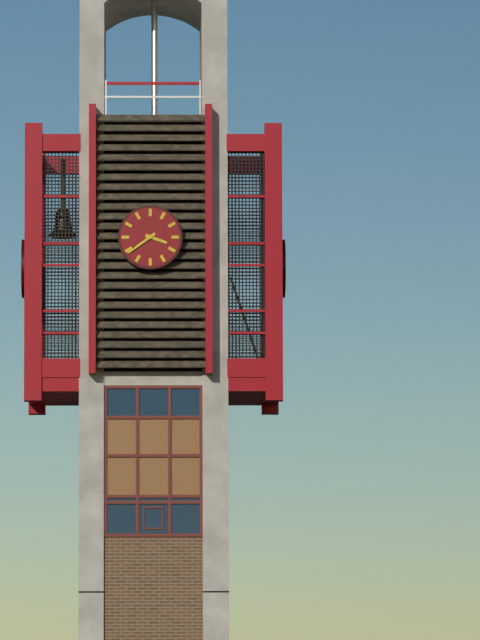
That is 3.39
